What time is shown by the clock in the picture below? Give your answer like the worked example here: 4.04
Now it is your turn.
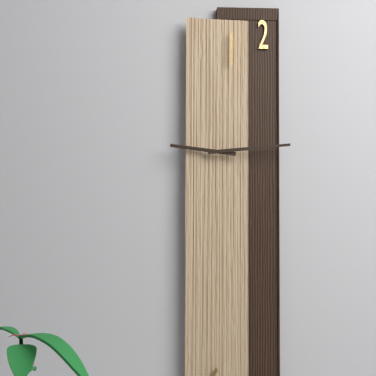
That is 9.14
